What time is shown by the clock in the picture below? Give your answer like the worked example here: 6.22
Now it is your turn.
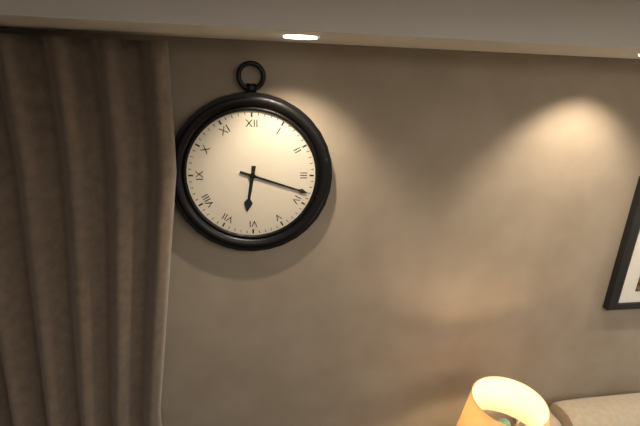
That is 6.18
